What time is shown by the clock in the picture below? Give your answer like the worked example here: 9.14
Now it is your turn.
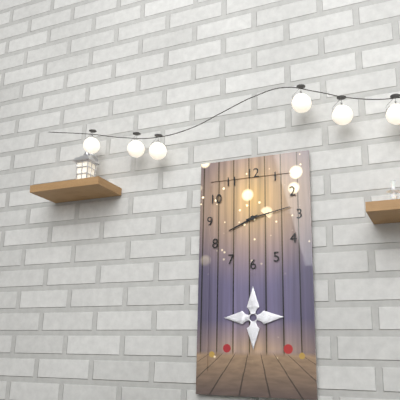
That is 8.13
